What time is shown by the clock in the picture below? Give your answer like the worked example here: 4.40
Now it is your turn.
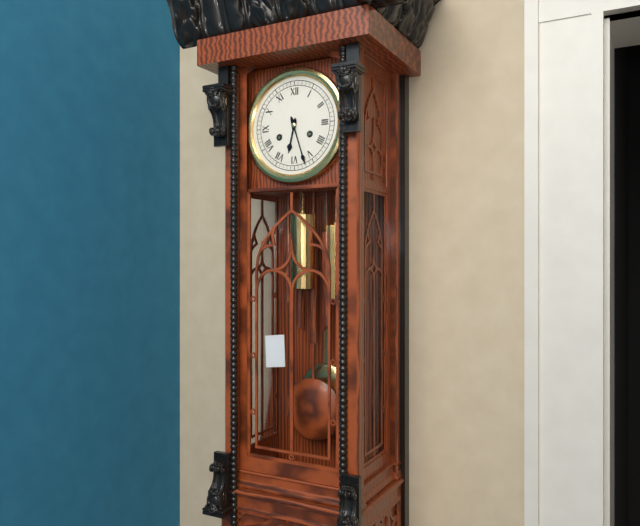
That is 6.27
